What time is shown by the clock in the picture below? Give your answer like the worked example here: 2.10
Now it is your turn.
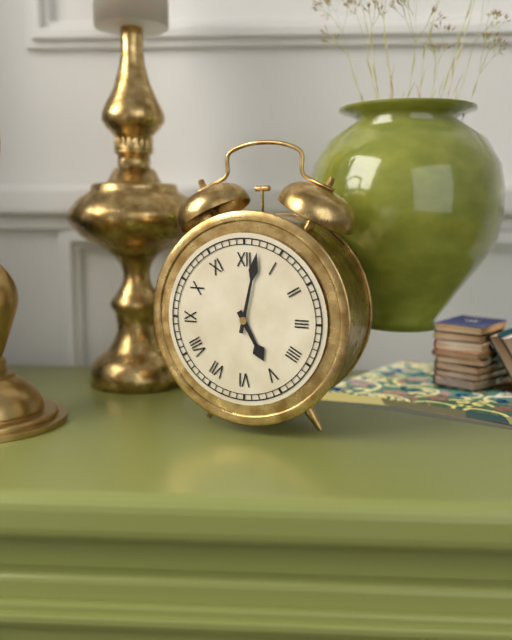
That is 5.02
